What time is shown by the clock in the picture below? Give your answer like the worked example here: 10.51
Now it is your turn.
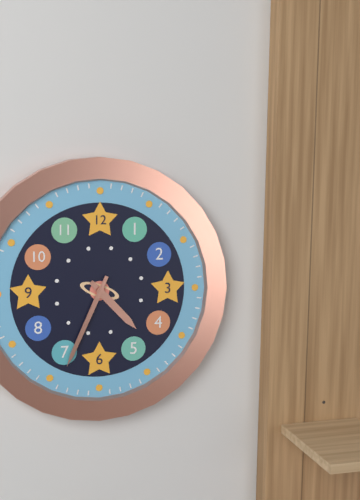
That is 4.34
